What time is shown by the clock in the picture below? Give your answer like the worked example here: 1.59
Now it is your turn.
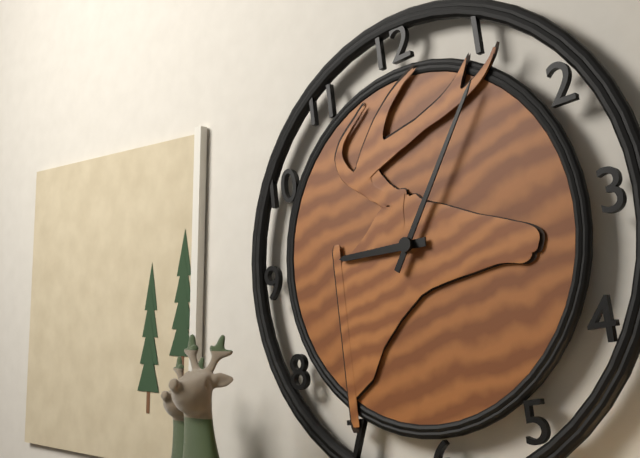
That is 9.06
